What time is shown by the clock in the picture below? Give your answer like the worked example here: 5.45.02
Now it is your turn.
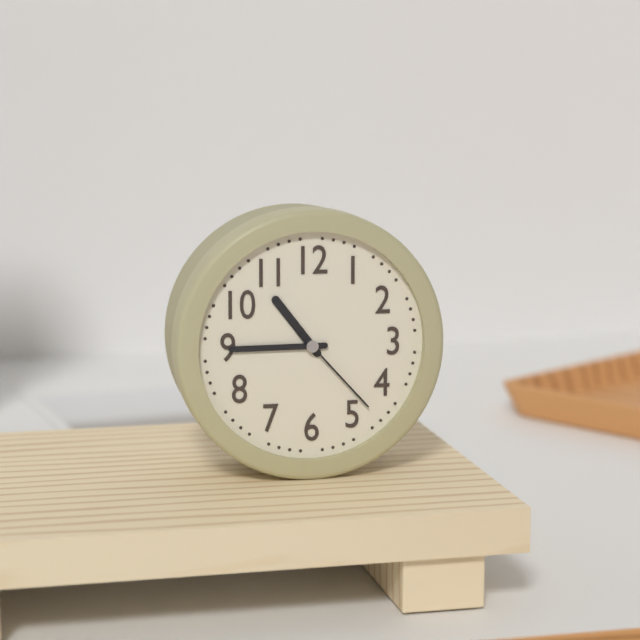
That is 10.45.23
